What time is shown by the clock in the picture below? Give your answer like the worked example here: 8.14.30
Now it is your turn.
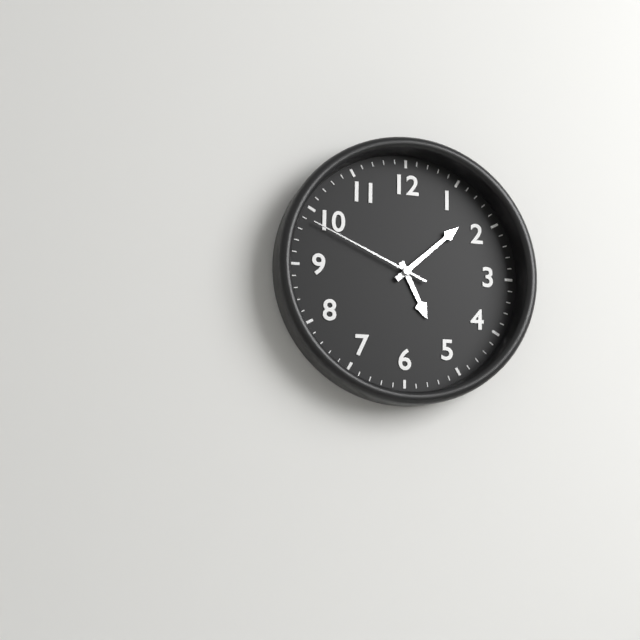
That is 5.08.49
